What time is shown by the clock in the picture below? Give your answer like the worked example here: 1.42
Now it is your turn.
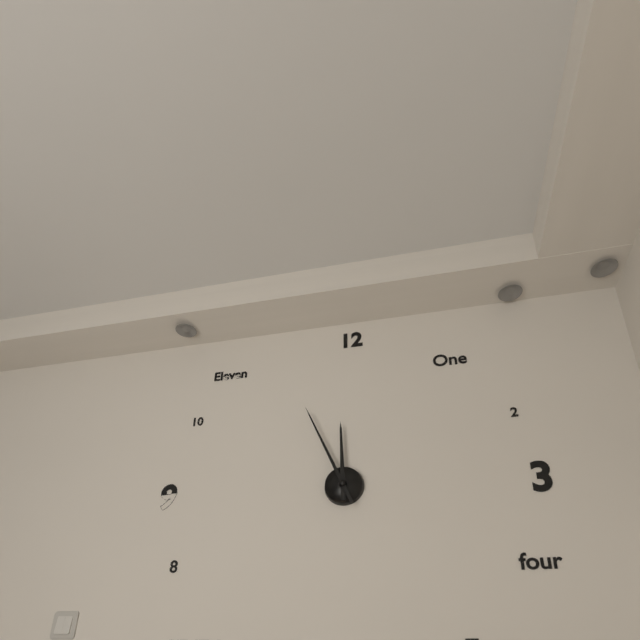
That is 11.56
